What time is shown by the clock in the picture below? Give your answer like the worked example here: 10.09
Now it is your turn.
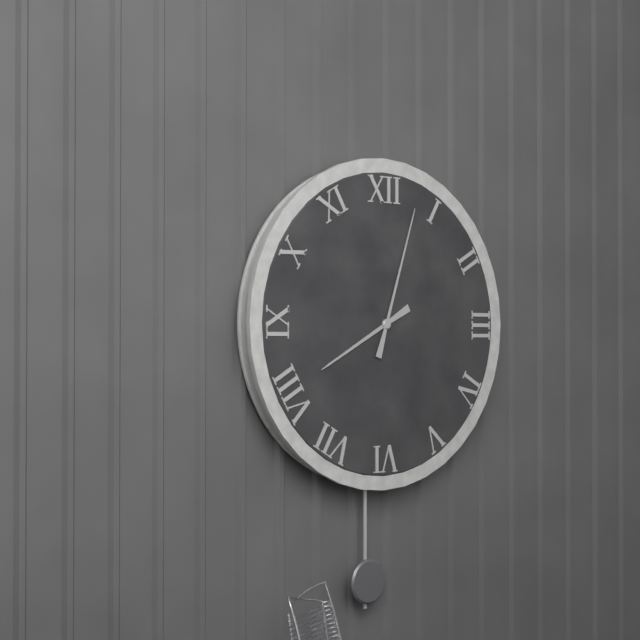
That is 8.03
